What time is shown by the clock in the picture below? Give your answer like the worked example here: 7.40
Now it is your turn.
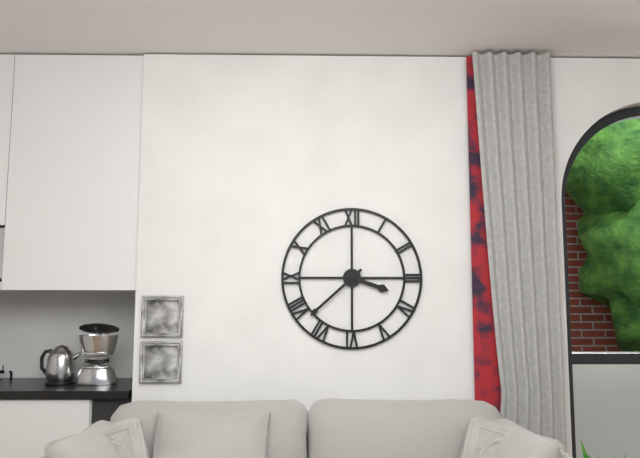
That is 3.38
